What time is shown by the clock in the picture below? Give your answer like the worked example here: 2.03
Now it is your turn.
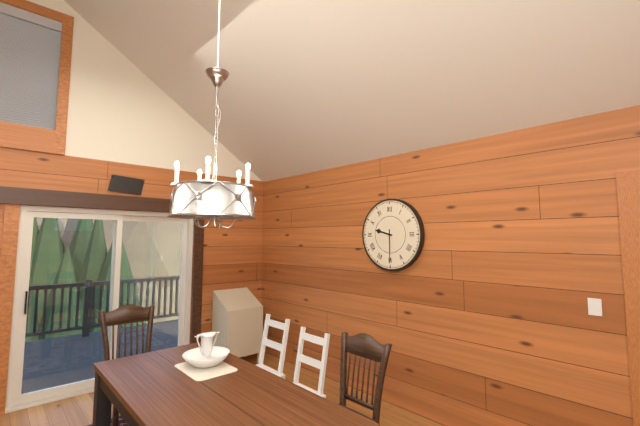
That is 9.30
